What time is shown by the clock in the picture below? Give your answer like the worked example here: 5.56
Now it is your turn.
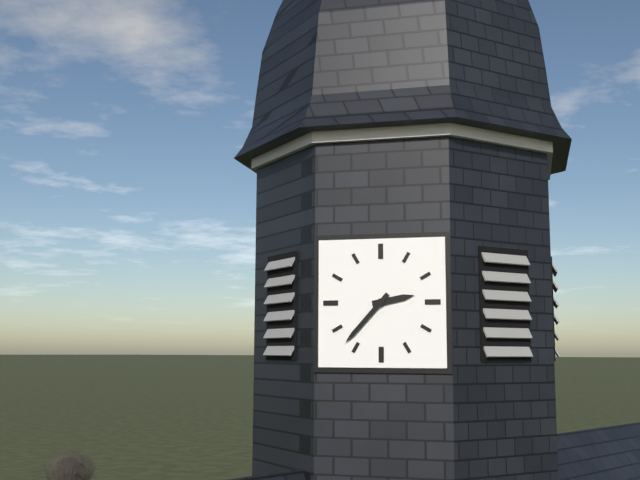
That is 2.37
